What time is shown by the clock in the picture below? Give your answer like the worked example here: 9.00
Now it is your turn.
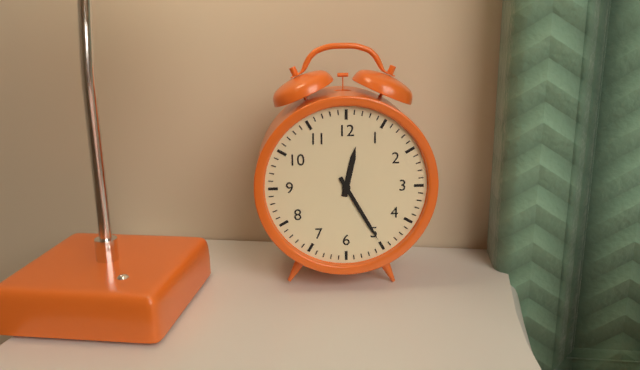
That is 12.25
